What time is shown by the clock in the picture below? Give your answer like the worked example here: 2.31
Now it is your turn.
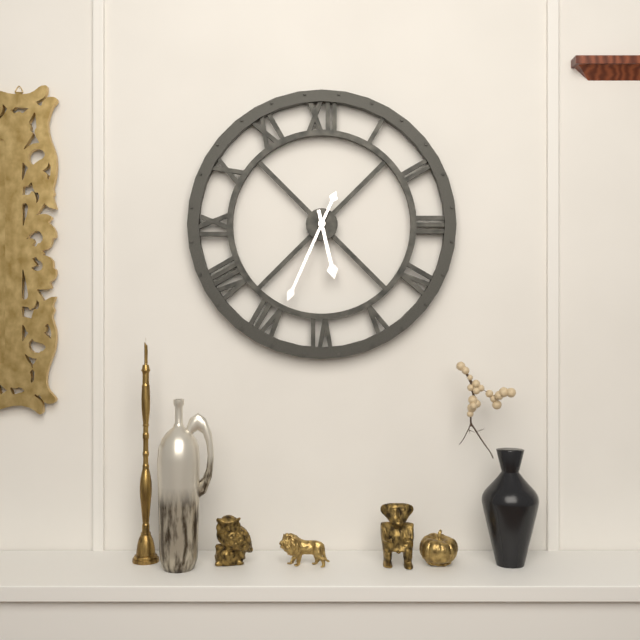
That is 5.34
